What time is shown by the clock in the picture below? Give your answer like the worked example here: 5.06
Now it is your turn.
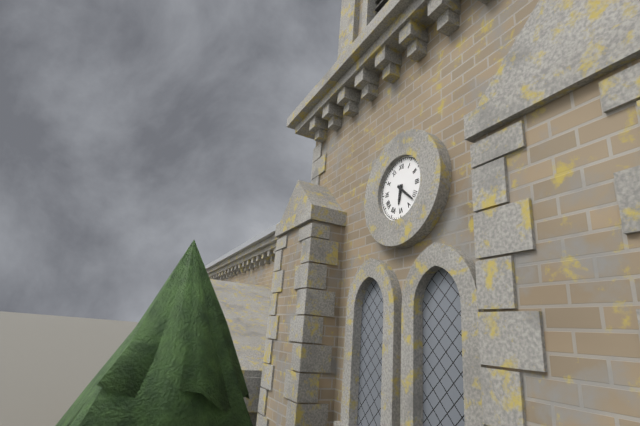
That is 6.22
